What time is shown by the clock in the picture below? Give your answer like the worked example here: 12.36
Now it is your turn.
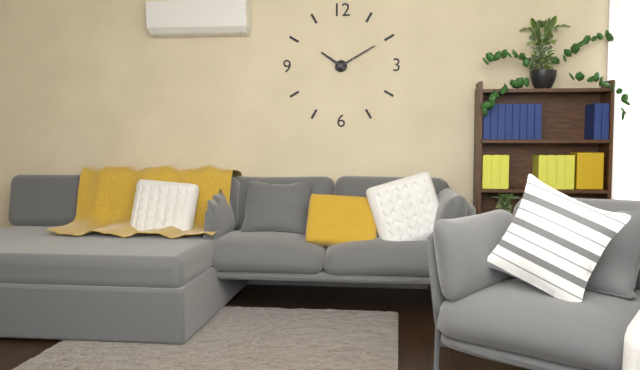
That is 10.10
